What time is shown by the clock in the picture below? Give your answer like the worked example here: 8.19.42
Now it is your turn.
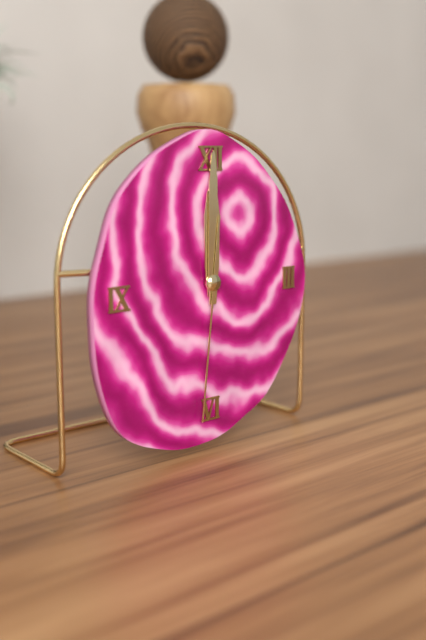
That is 12.00.31
